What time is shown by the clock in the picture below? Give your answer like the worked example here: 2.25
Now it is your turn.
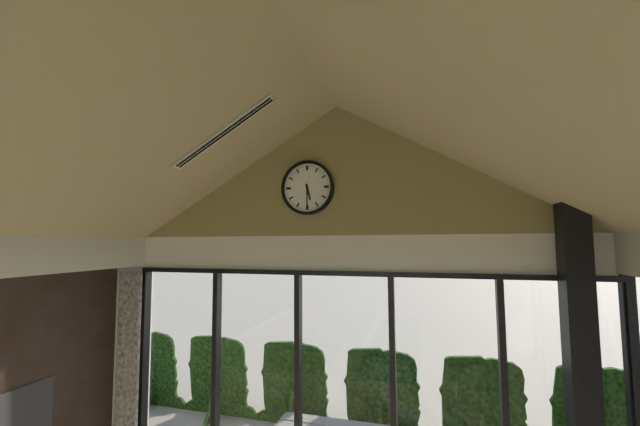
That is 5.30
